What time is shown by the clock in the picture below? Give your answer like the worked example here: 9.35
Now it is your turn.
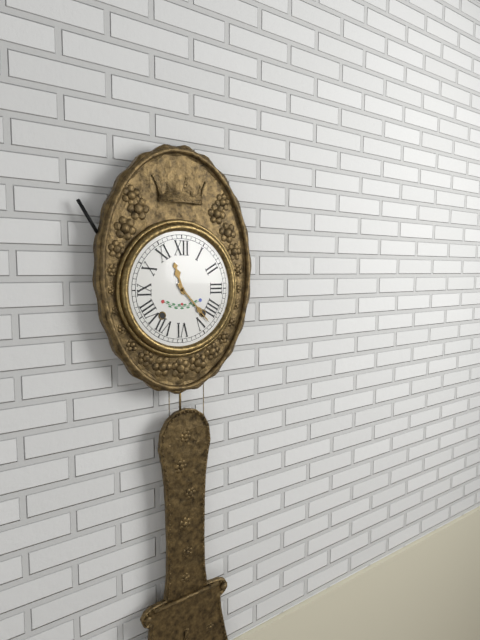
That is 11.23
